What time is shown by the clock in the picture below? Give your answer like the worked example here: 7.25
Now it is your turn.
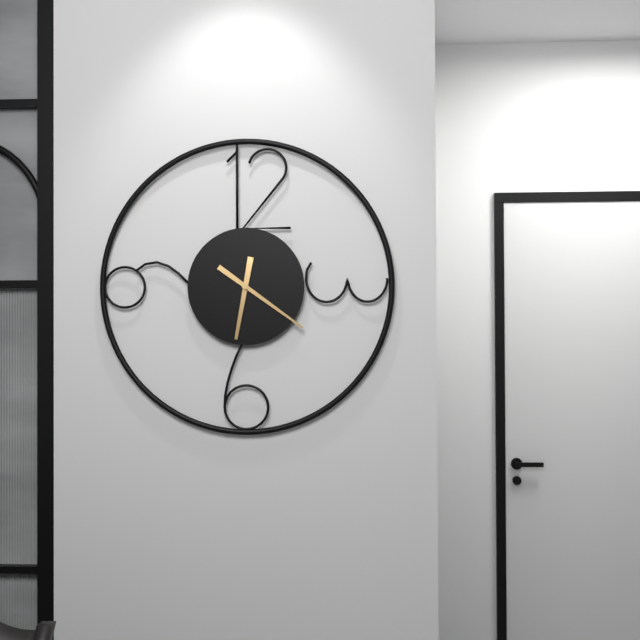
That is 6.21
